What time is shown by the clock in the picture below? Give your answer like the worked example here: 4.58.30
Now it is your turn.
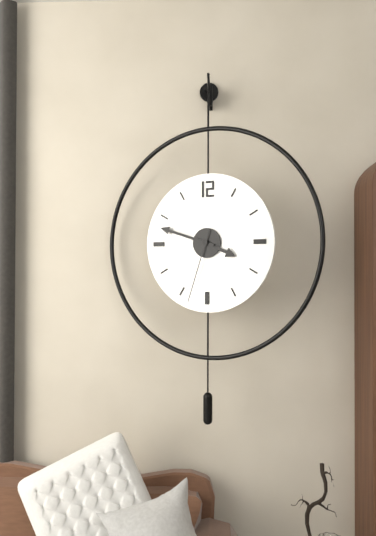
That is 3.48.33
